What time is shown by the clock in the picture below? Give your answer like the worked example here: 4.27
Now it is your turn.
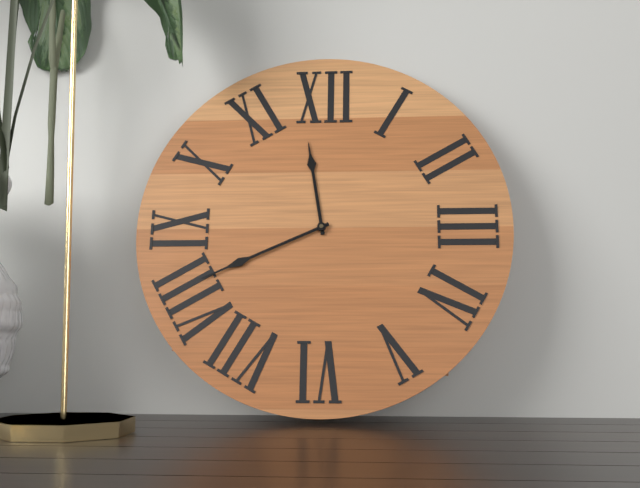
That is 11.41
